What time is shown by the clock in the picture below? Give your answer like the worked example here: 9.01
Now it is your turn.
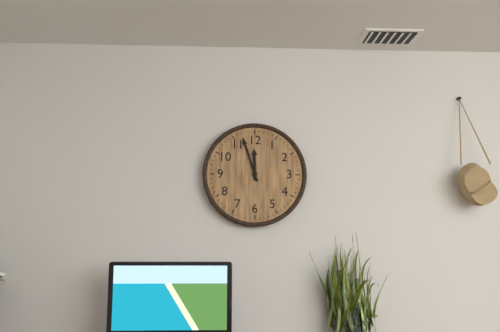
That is 11.57
